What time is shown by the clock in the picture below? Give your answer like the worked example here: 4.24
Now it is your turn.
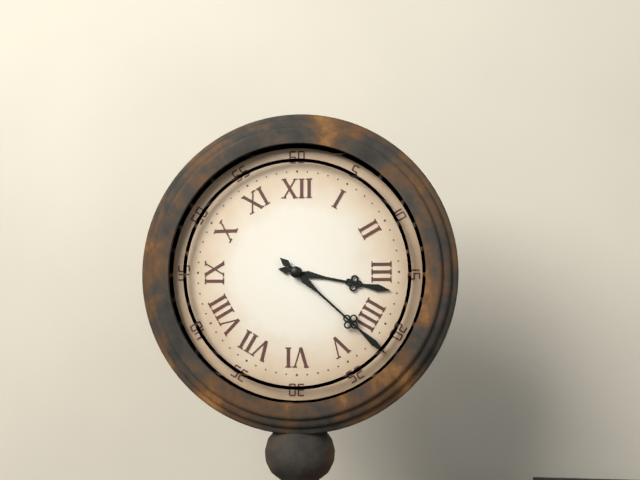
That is 3.22
